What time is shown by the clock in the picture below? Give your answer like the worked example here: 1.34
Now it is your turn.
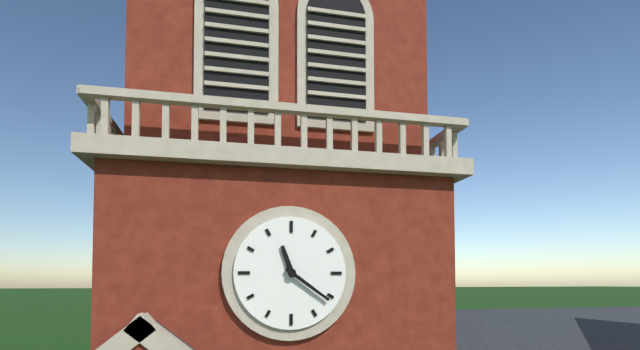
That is 11.21
